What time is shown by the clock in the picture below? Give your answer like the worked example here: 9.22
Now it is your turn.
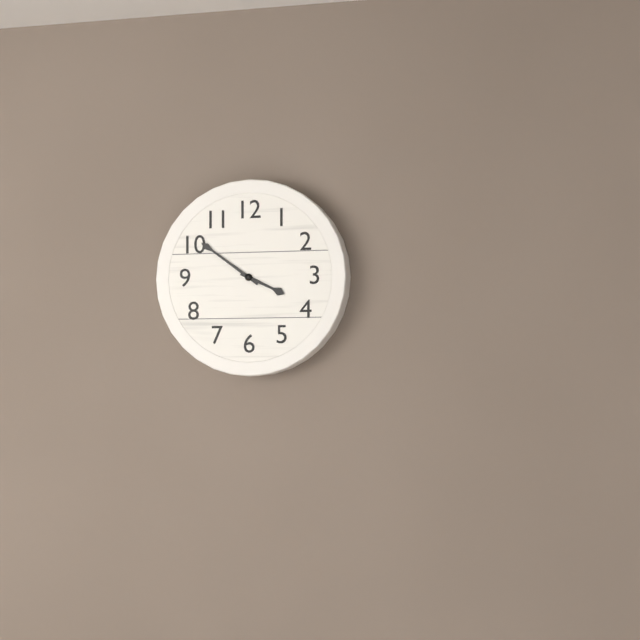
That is 3.51
